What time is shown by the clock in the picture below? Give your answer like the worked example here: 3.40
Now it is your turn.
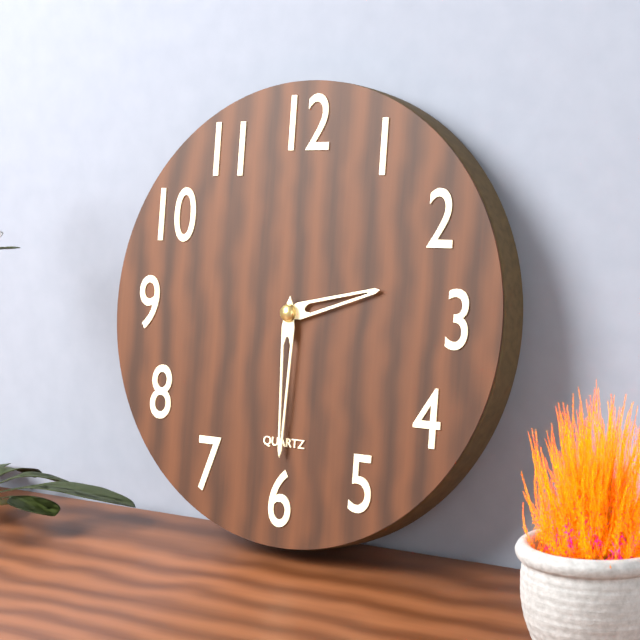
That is 2.30
